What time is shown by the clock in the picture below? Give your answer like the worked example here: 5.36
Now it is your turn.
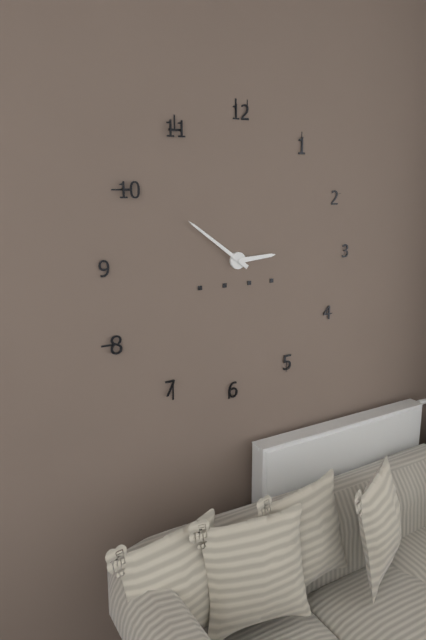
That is 2.51
